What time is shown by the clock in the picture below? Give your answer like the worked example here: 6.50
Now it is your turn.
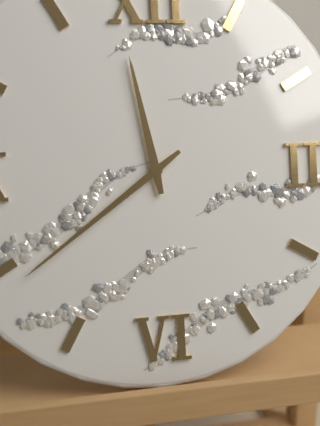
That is 11.39
